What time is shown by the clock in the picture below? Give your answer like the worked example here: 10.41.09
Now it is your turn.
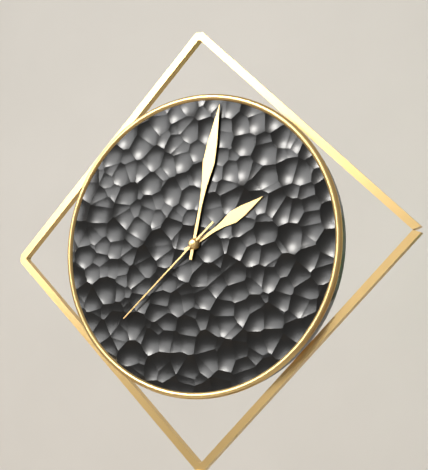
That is 2.02.38
